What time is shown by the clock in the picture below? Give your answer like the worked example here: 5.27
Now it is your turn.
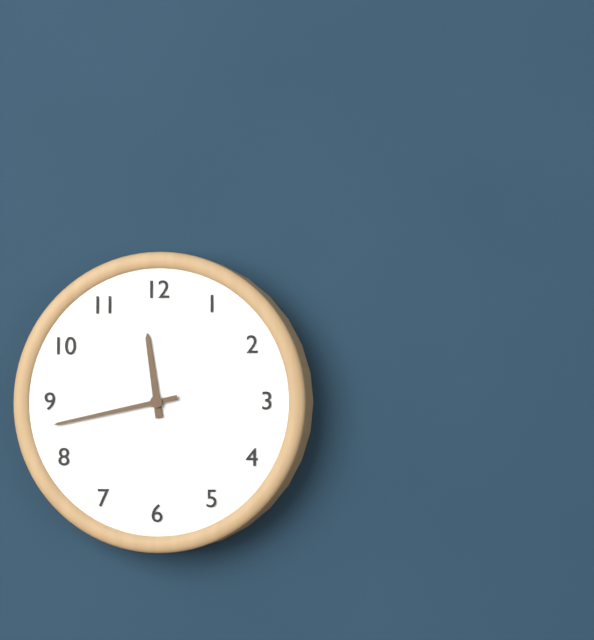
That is 11.43
